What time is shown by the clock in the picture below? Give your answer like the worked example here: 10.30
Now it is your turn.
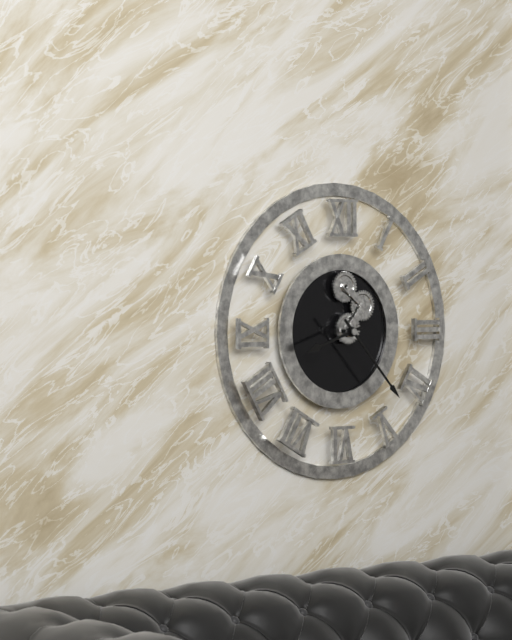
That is 8.23
